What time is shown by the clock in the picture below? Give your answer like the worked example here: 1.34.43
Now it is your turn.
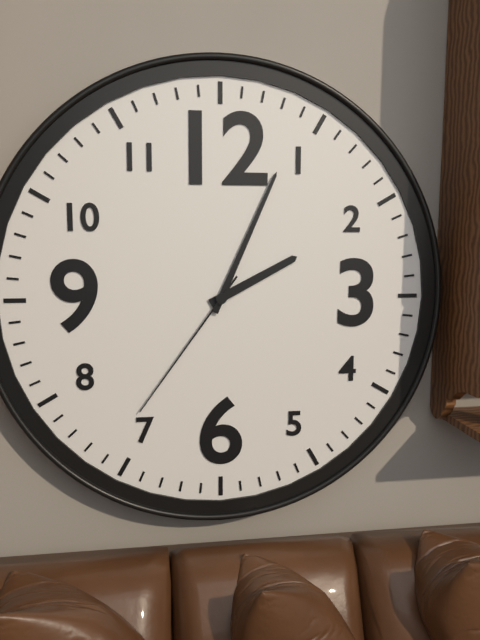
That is 2.04.36
